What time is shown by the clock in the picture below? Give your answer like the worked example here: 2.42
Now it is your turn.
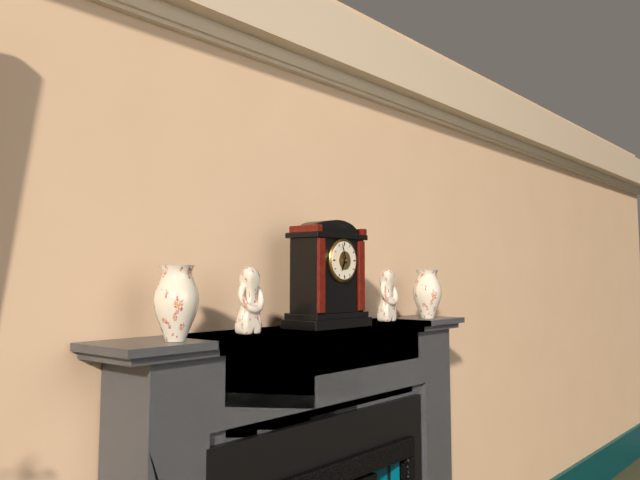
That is 6.57
